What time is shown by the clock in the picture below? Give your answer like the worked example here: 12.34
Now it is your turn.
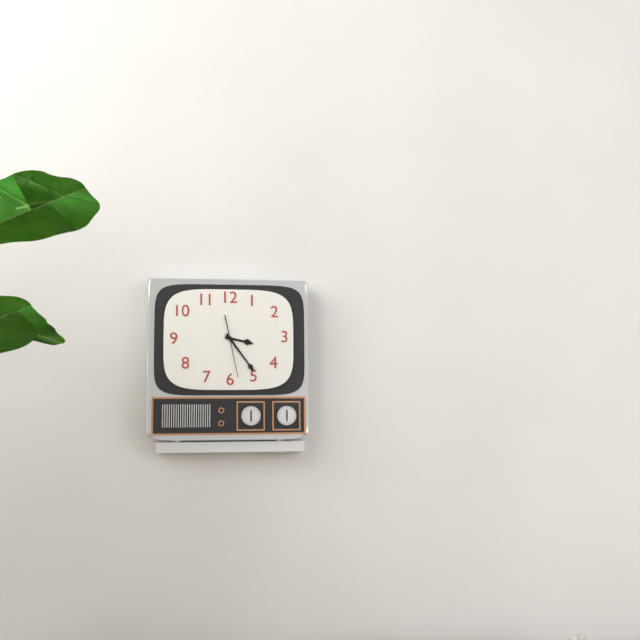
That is 3.24
